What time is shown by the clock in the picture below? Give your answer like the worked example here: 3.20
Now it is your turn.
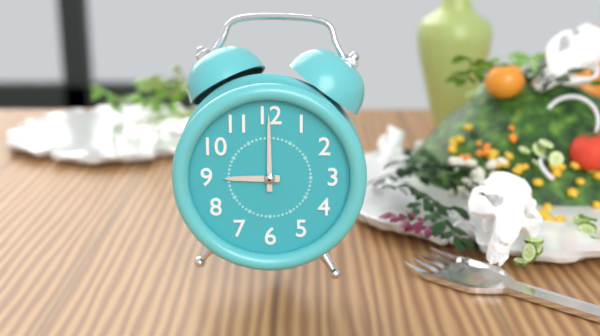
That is 9.00
